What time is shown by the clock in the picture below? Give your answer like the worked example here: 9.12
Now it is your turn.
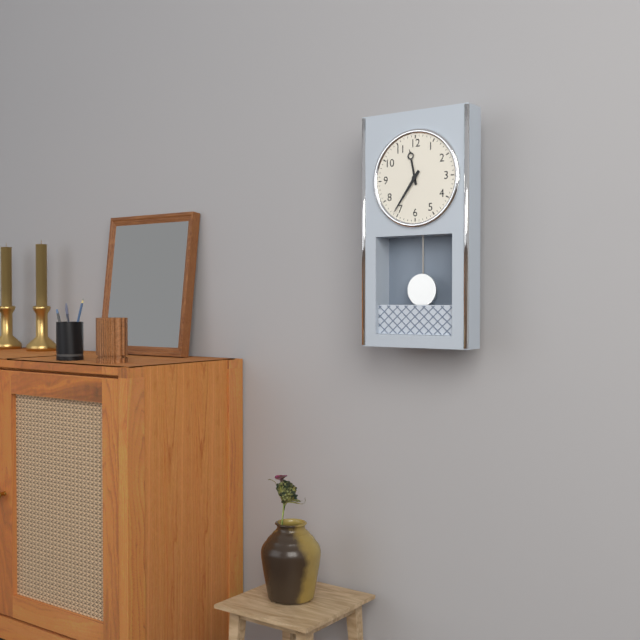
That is 11.36
